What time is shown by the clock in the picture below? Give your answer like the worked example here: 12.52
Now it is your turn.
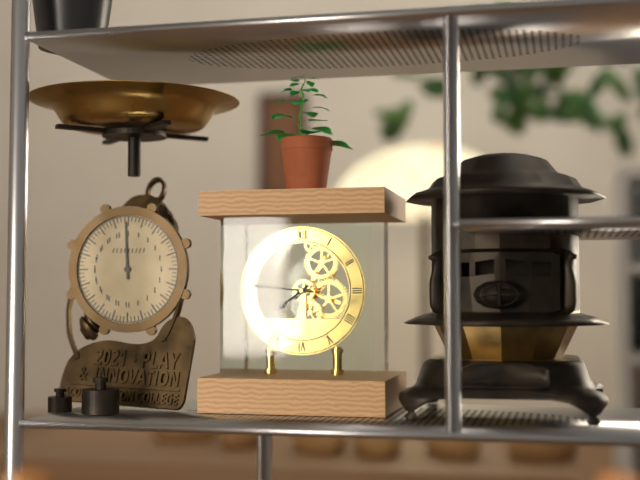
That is 7.46
